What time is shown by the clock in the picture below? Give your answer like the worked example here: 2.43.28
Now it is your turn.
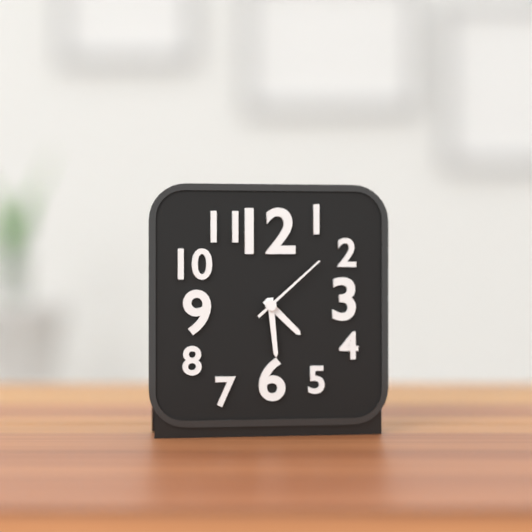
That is 4.29.08
